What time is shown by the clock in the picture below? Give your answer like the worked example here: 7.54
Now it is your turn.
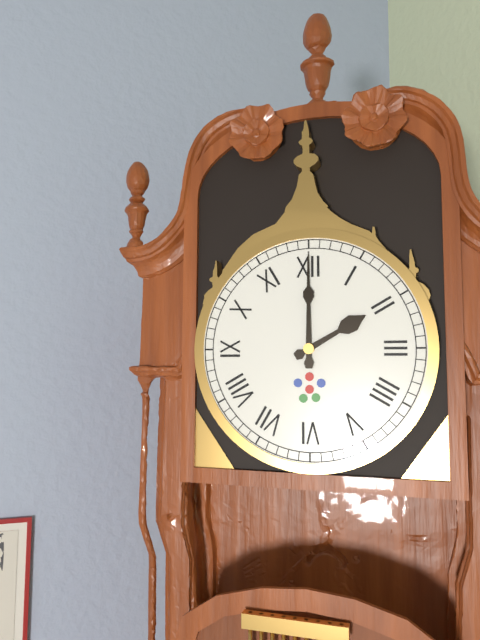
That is 2.00
